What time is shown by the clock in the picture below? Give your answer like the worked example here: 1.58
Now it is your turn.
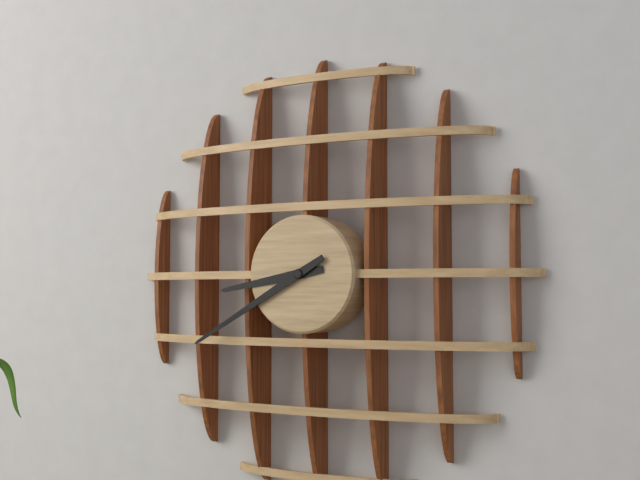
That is 8.40
